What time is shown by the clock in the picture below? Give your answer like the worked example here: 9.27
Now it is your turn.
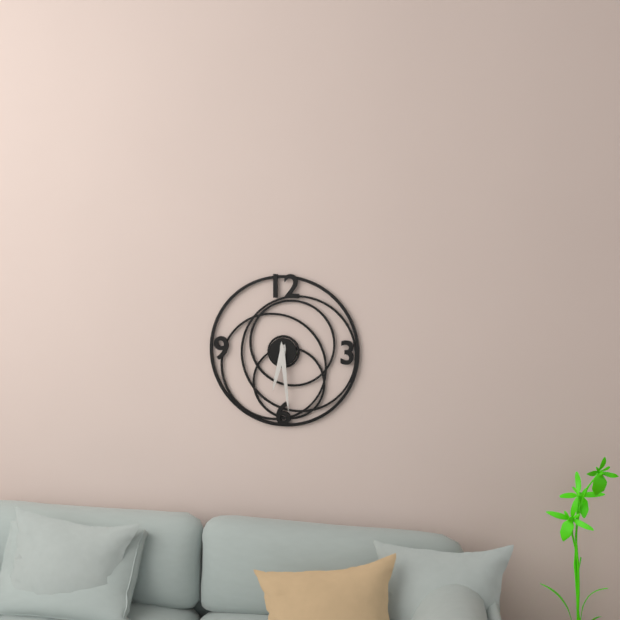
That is 6.29
